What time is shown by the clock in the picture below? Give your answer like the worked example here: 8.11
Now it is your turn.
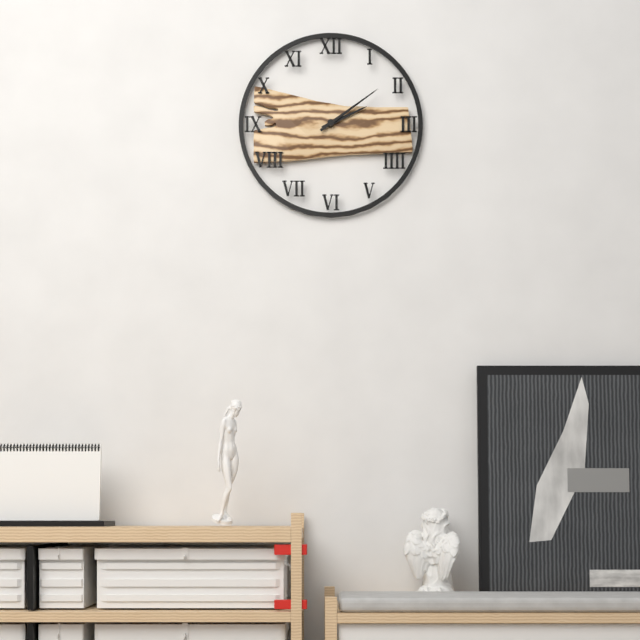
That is 2.09
